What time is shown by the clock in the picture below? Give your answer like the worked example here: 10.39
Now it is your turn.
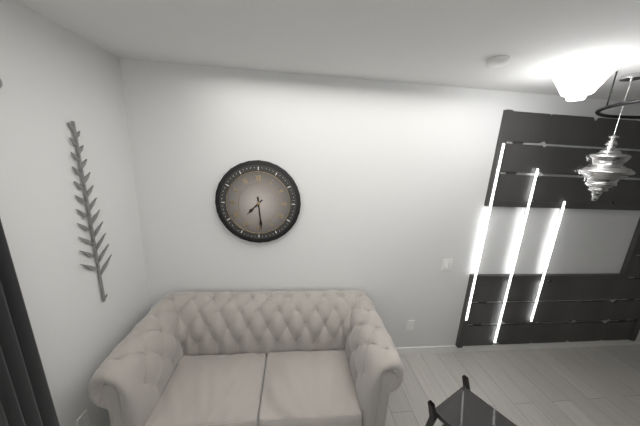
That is 7.29
